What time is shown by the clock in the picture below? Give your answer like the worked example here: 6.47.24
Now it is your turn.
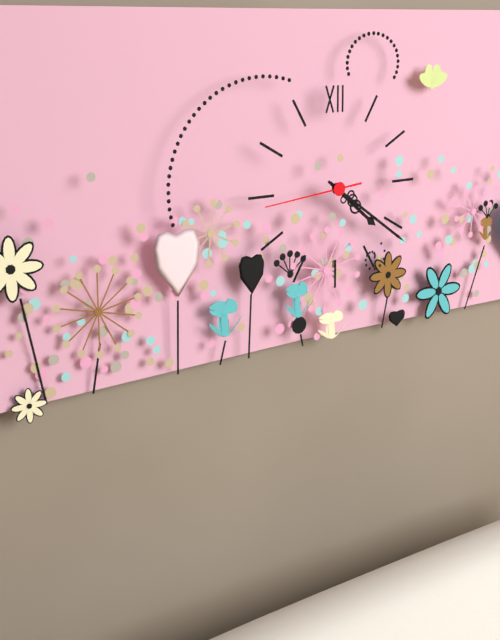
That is 4.21.44
